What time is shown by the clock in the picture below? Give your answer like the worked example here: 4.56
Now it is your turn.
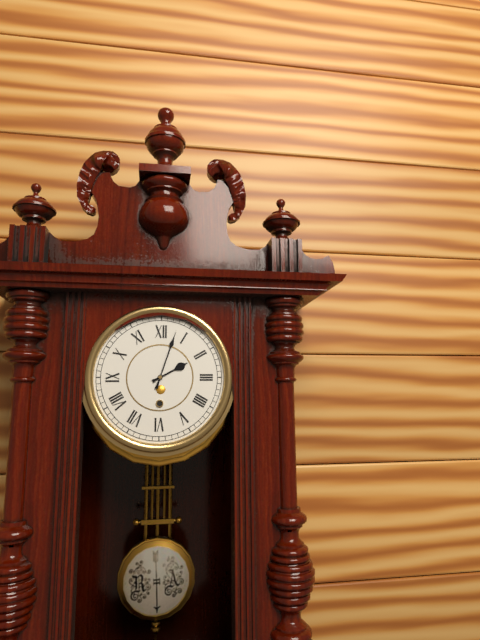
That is 2.03
